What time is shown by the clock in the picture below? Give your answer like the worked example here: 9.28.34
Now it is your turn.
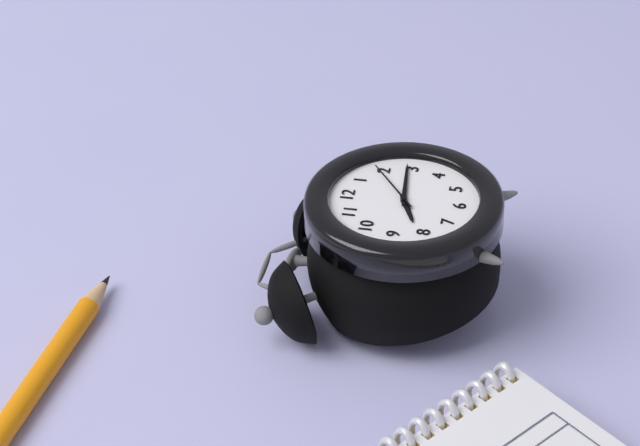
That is 8.14.09
